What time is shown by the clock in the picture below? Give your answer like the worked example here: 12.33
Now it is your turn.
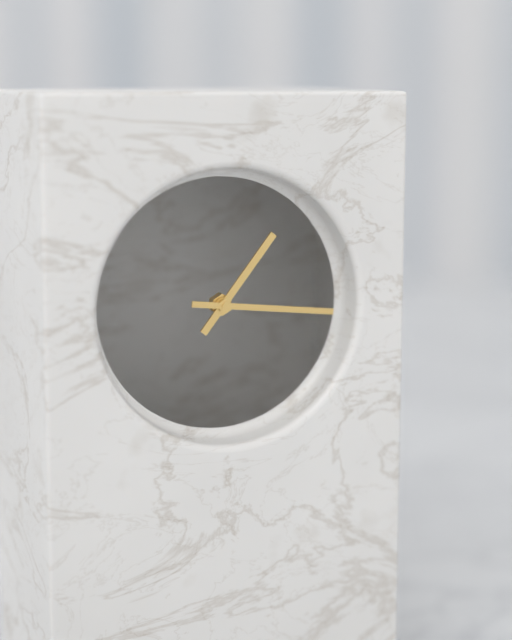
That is 1.16
